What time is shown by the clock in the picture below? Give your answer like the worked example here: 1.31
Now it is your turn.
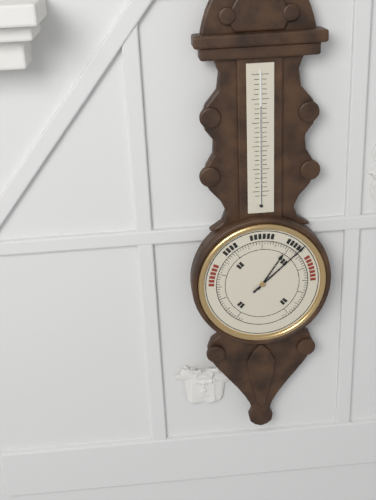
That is 1.08
